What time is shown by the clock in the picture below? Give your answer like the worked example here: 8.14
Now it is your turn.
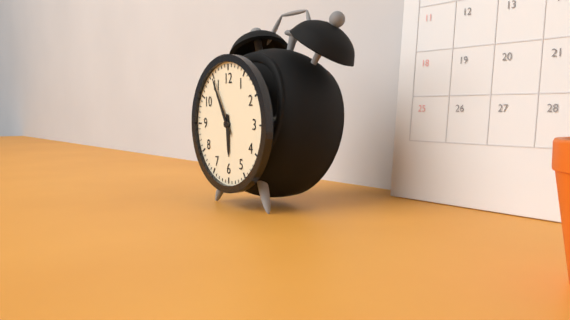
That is 5.55
